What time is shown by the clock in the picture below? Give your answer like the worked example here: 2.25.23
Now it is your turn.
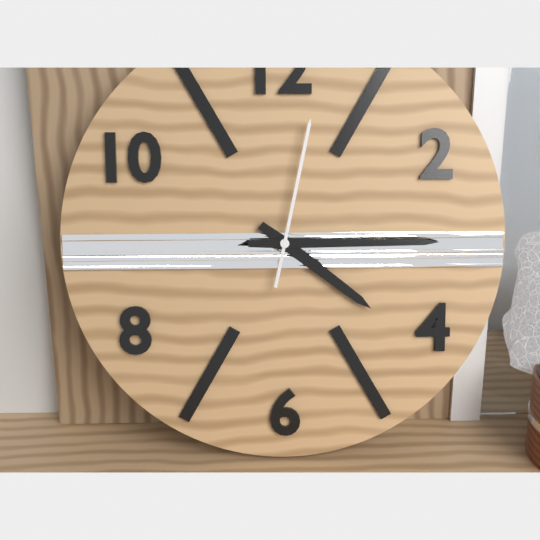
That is 4.15.02
